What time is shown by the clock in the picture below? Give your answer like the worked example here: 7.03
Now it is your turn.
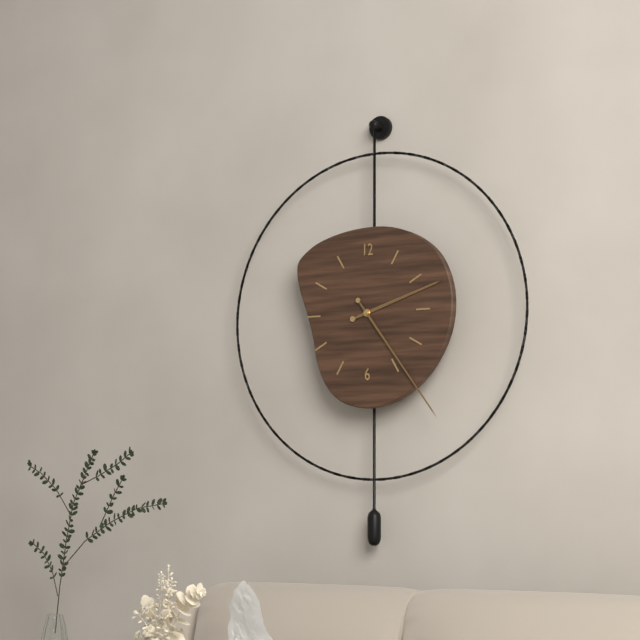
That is 2.24
